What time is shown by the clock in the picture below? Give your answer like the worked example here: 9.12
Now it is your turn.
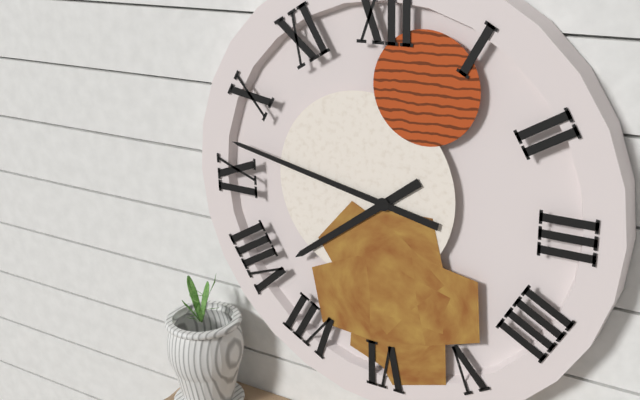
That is 7.47
